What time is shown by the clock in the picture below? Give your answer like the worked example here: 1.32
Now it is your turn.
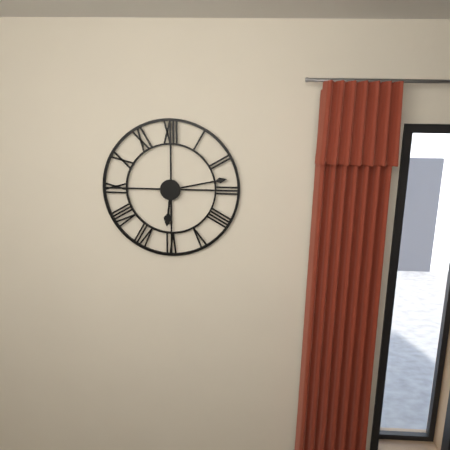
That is 6.13
